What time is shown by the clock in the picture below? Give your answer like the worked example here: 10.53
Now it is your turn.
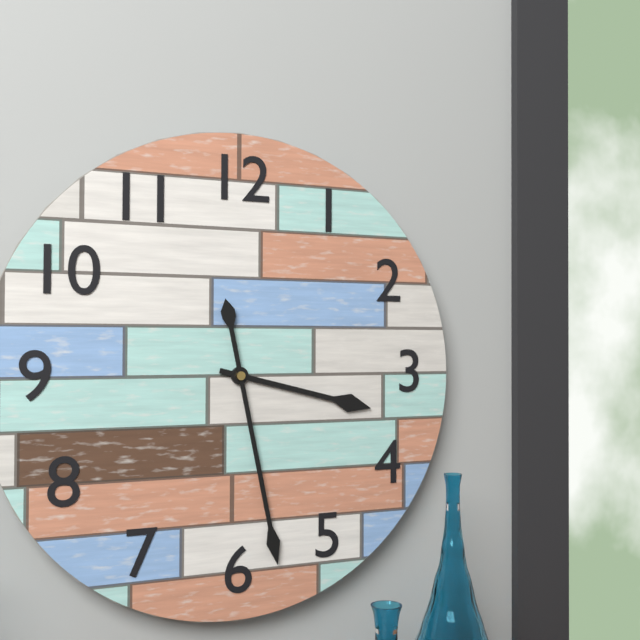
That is 3.28
